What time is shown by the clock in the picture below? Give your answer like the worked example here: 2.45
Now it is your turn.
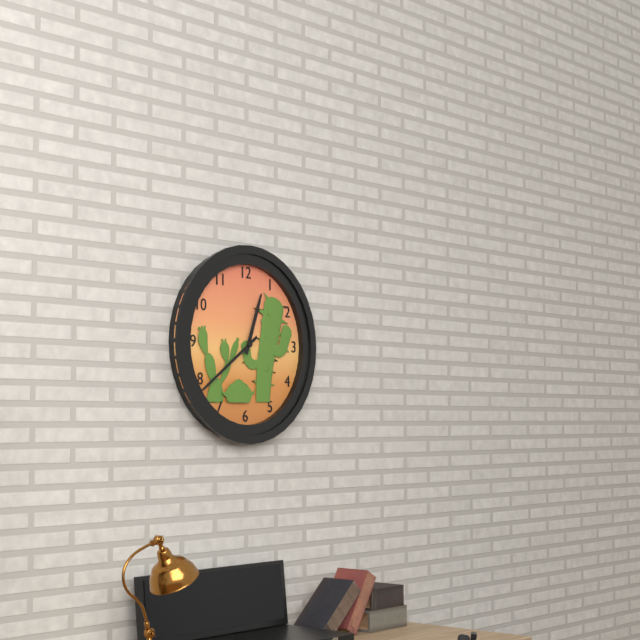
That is 12.39
